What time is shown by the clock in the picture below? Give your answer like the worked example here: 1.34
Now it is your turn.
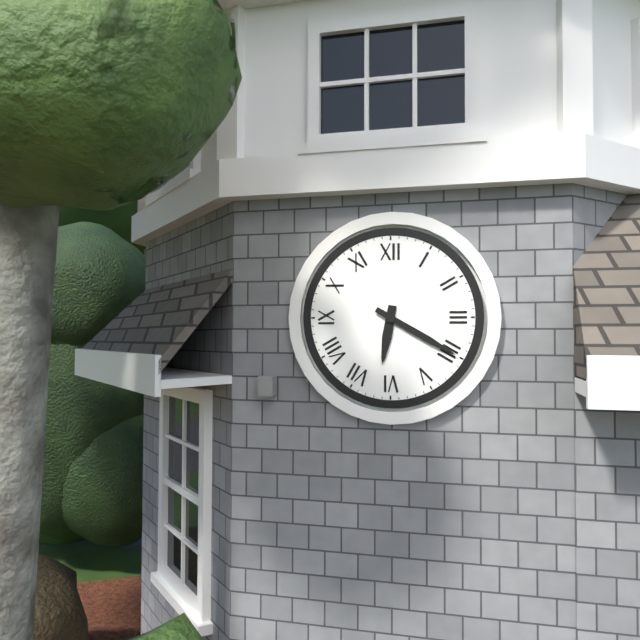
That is 6.20
